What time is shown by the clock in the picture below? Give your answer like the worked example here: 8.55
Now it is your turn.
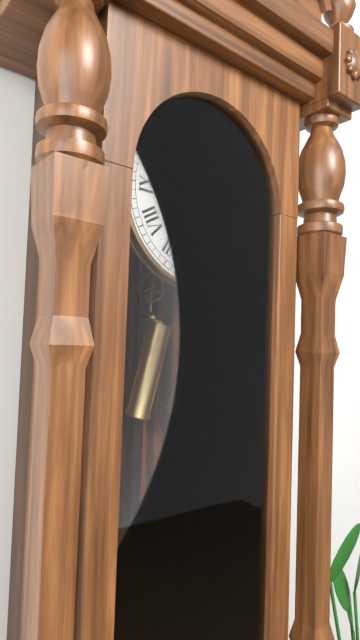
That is 12.45
